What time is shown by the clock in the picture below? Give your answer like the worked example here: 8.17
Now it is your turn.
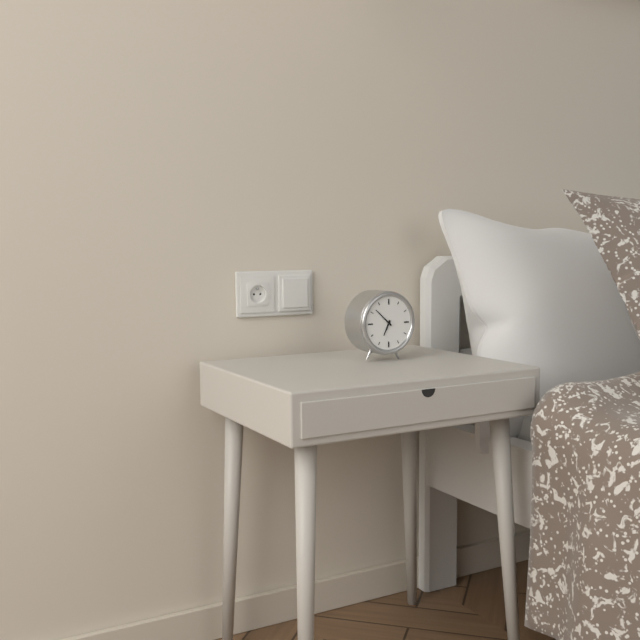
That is 6.52
